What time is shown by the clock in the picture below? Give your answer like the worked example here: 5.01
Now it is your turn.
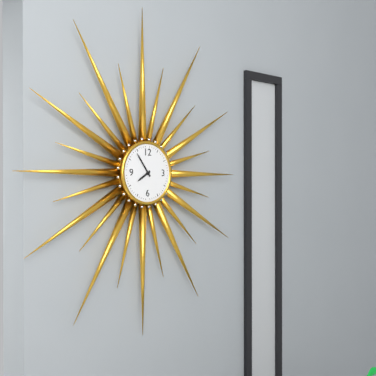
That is 7.54
